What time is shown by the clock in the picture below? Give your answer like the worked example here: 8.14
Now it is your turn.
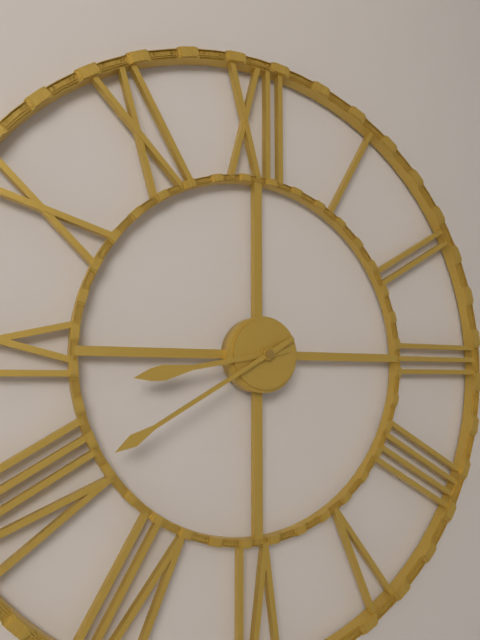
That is 8.40
